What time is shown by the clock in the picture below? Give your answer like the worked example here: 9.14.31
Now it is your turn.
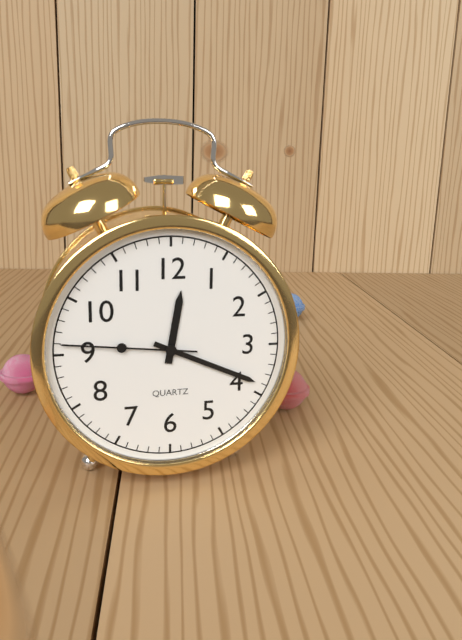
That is 12.19.46
